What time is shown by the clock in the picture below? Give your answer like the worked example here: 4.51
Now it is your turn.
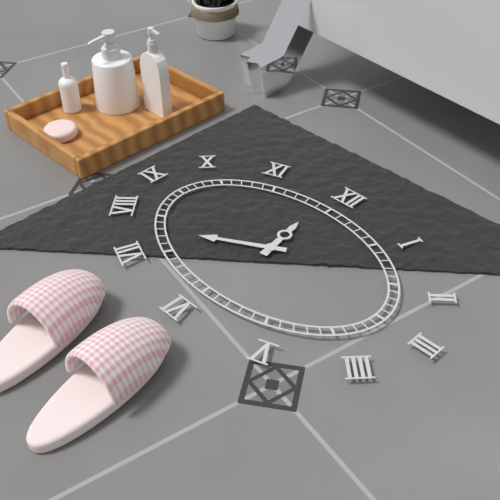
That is 11.40
